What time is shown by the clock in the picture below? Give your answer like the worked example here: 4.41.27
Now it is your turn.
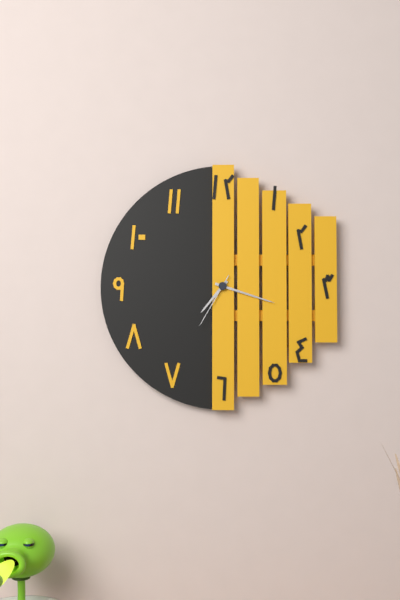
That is 7.18.35
